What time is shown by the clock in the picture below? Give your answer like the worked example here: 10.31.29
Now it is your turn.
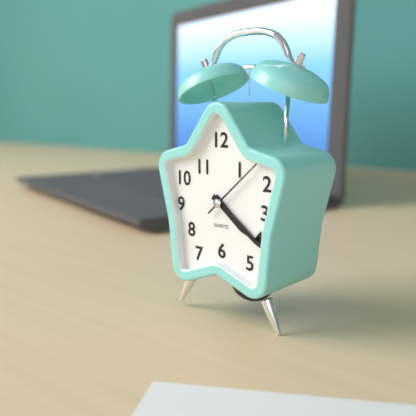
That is 4.21.08
